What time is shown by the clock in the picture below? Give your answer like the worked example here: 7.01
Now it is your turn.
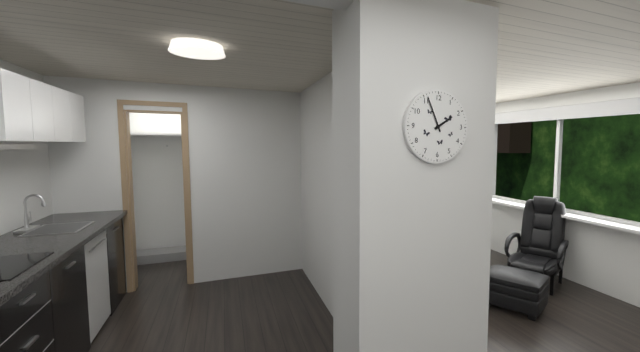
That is 1.56
